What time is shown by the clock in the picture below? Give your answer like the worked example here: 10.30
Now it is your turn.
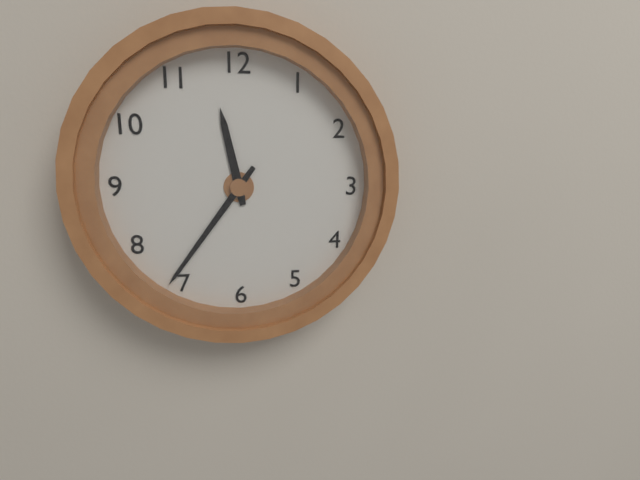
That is 11.36
